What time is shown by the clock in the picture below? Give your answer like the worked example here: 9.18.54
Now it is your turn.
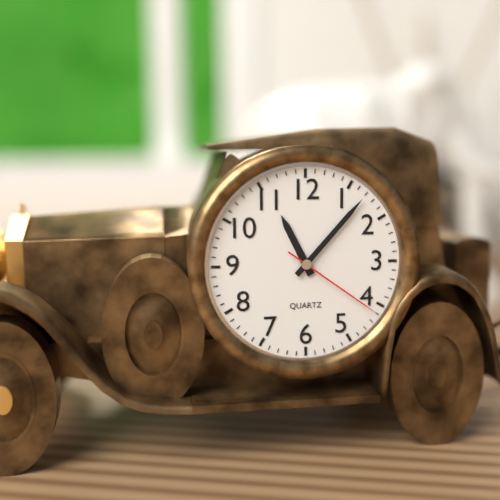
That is 11.07.21
